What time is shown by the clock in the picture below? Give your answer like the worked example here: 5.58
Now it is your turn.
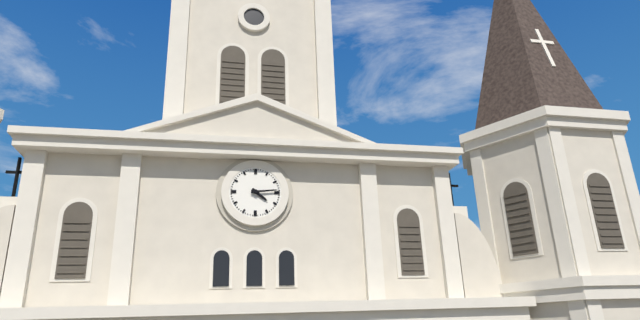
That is 4.14
